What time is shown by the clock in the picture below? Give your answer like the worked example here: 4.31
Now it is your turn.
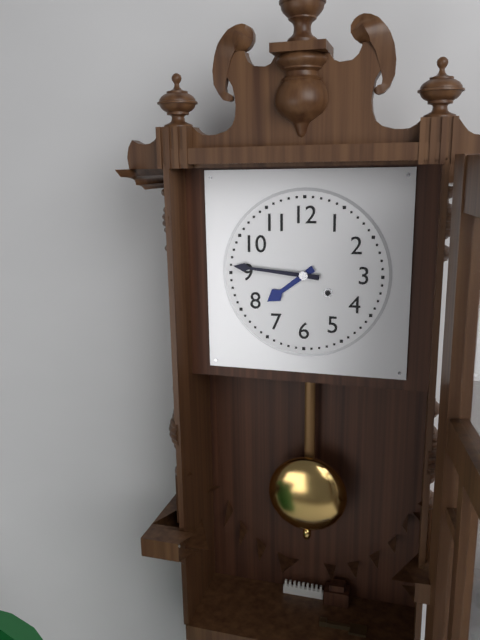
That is 7.46
